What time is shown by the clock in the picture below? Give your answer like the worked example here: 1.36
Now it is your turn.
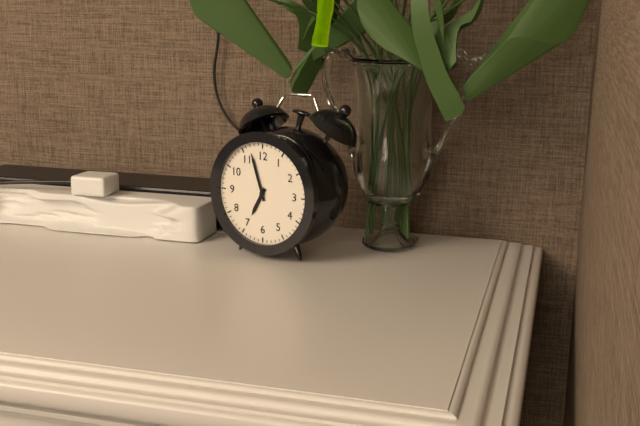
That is 6.57
